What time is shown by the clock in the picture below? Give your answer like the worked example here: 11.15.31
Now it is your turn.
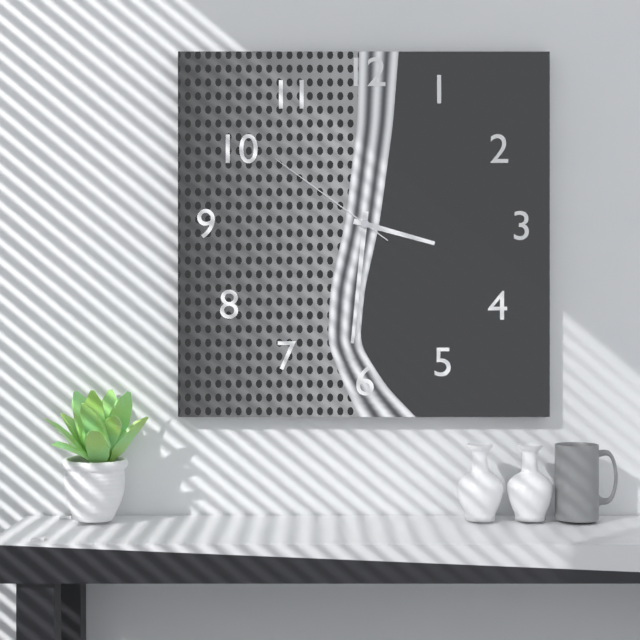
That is 3.31.51
